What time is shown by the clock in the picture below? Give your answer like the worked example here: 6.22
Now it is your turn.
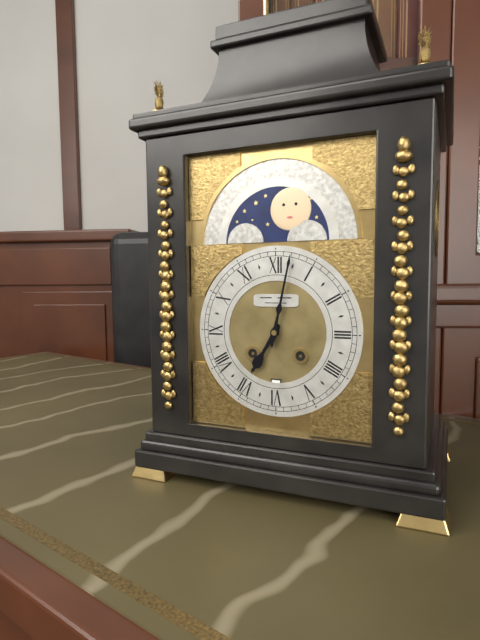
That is 7.02
